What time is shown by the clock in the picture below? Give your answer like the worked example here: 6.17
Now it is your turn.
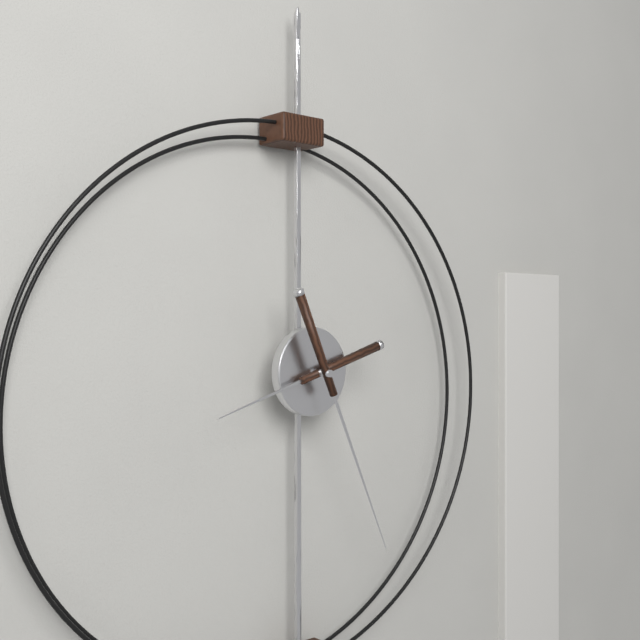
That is 8.26
